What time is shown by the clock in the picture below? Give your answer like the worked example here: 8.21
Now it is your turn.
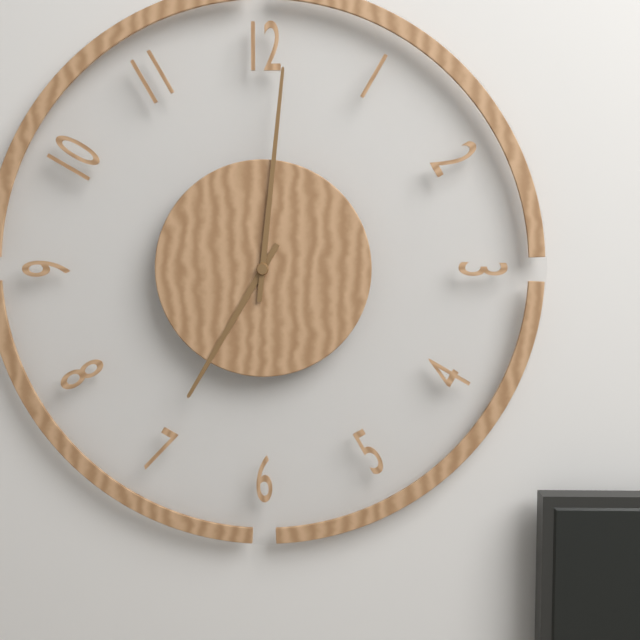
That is 7.01
